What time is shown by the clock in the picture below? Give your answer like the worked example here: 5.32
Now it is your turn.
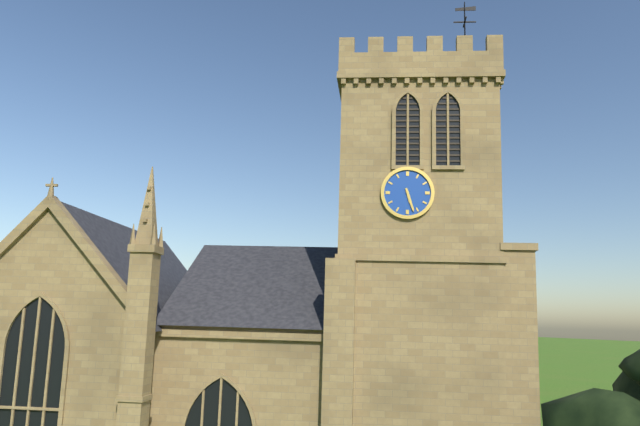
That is 5.27
